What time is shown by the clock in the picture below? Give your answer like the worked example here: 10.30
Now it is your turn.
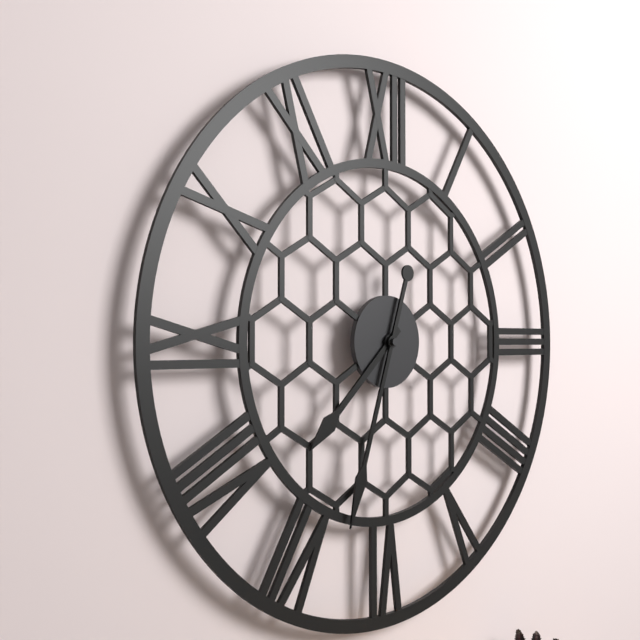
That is 7.33
